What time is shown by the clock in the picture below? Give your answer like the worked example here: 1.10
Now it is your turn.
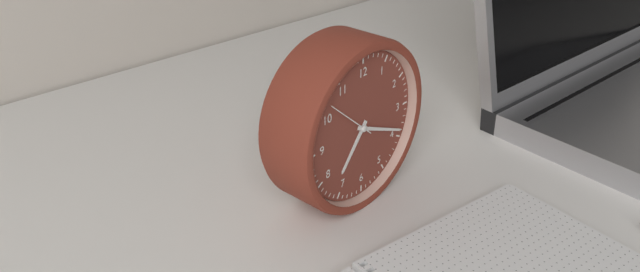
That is 7.19
